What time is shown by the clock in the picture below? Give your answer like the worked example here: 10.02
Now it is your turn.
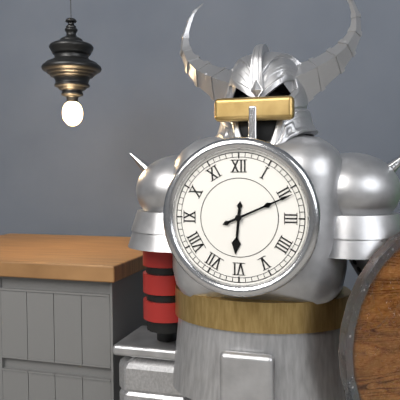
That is 6.11
